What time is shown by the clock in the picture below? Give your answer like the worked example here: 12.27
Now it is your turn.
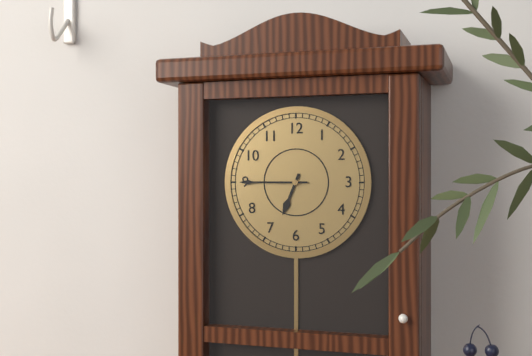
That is 6.45
